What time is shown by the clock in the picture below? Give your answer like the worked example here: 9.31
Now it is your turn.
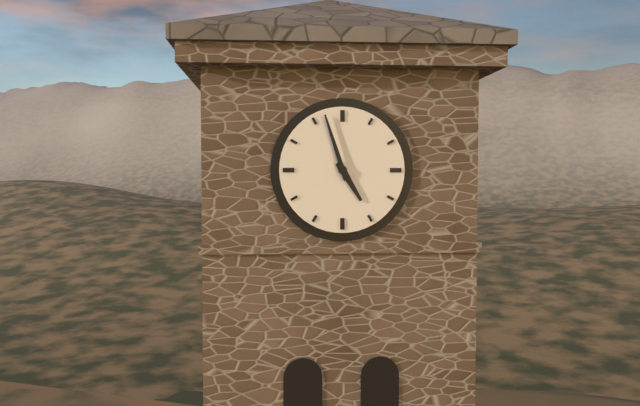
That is 4.57
